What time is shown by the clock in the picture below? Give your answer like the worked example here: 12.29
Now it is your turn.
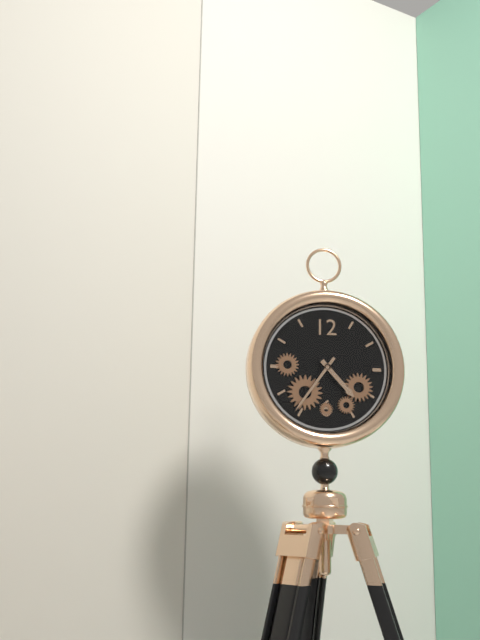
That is 4.36
